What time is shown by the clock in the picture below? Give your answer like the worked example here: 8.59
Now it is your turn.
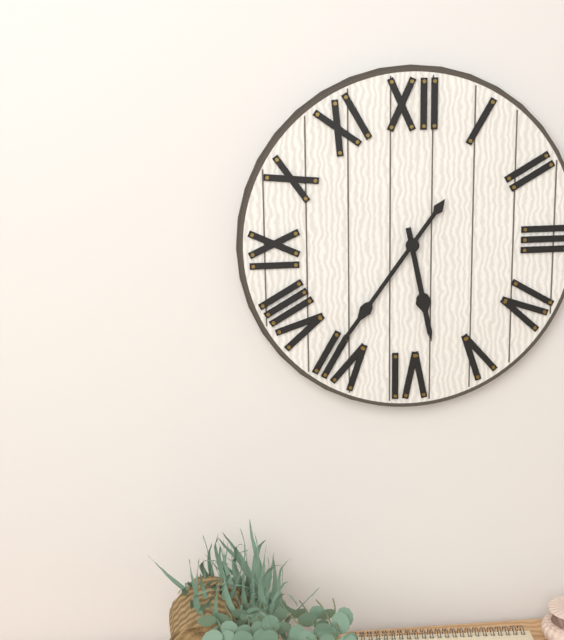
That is 5.36
